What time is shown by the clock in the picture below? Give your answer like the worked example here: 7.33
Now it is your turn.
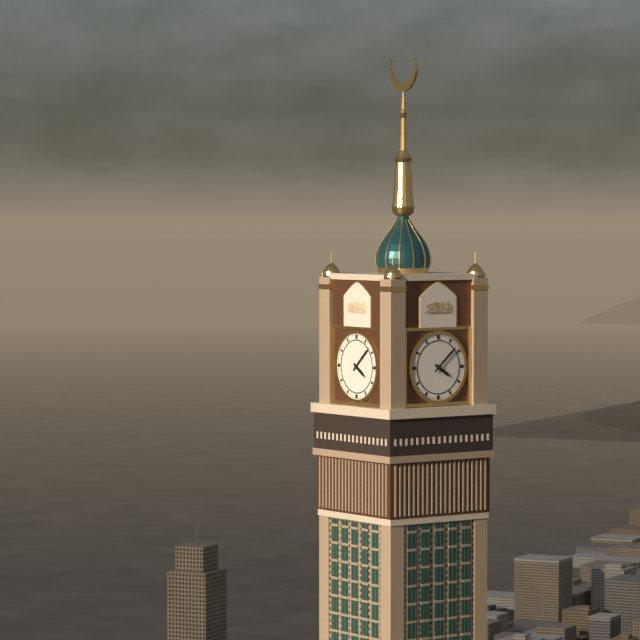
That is 4.08
